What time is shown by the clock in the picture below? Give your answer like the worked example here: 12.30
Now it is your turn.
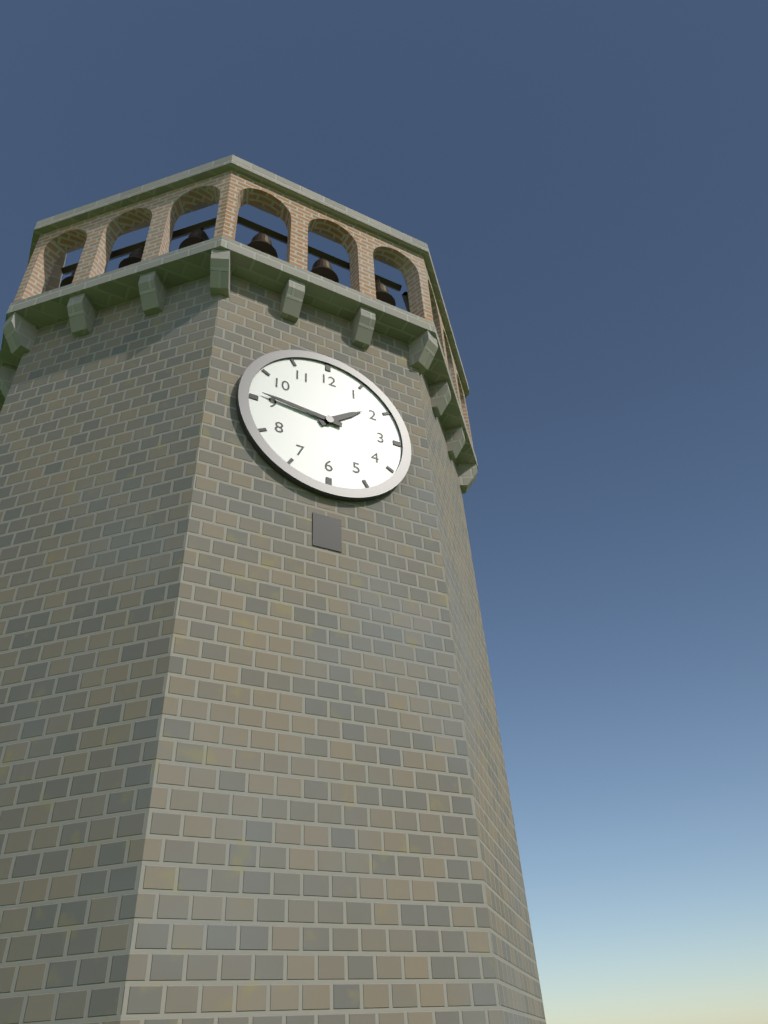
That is 1.46
